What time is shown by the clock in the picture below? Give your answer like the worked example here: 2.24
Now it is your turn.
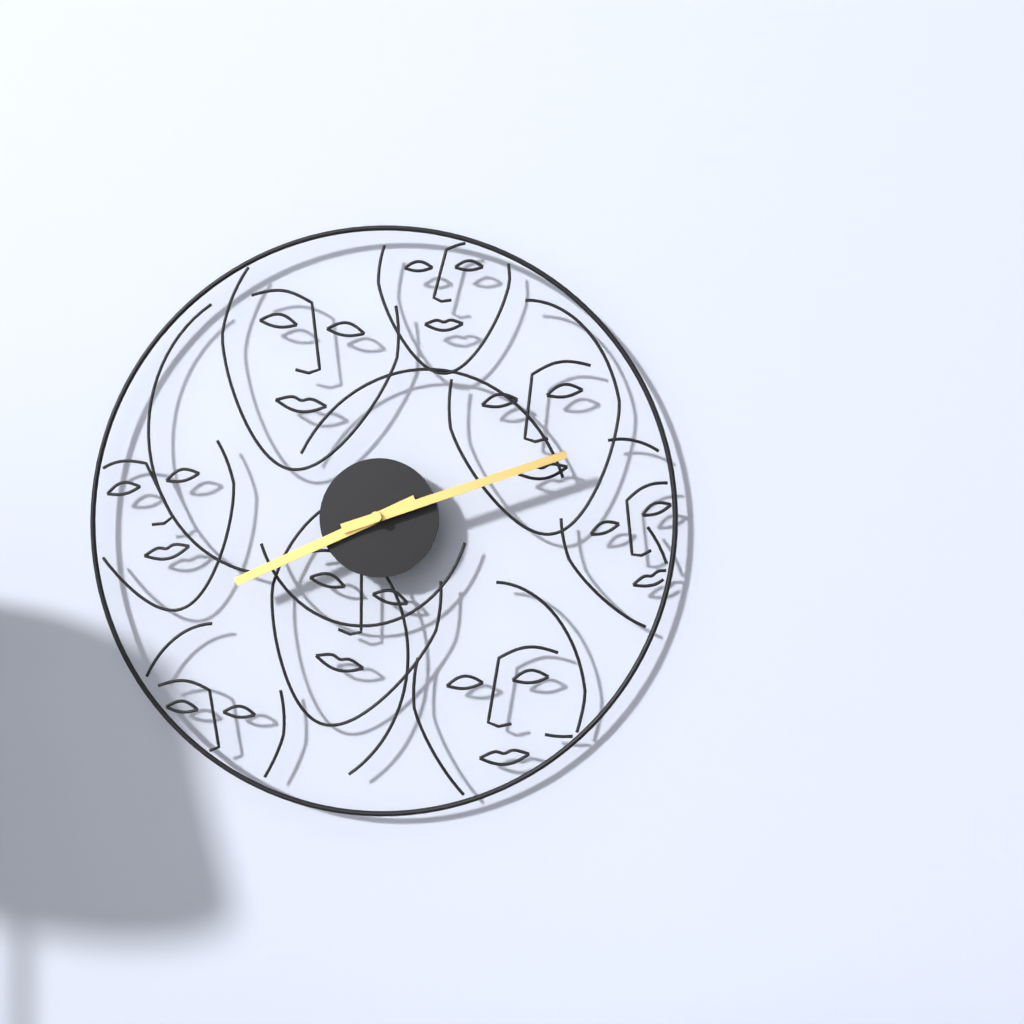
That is 8.12
